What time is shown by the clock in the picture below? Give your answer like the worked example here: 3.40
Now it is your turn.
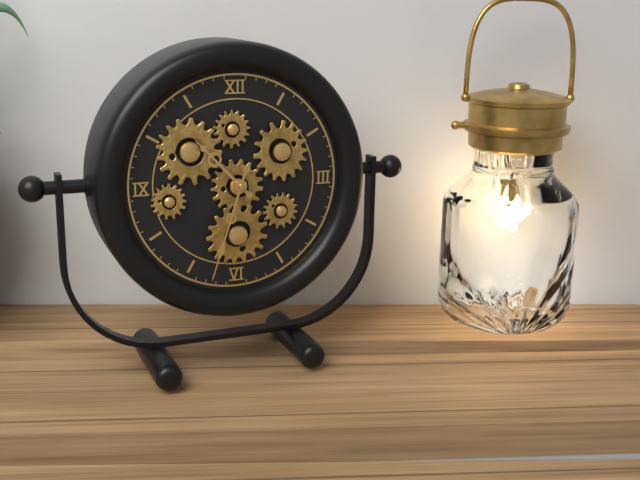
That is 10.33
